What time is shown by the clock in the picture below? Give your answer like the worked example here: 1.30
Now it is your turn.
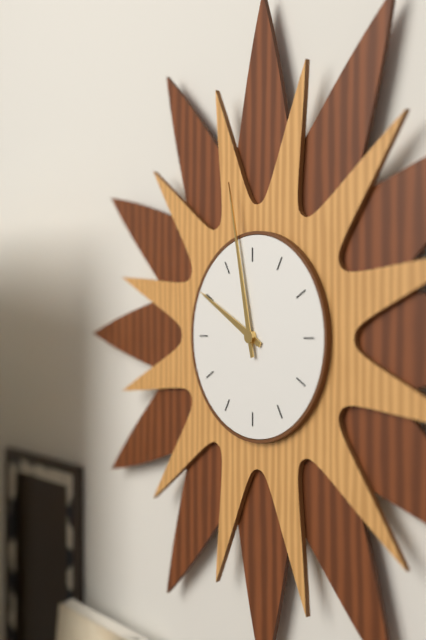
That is 9.58
